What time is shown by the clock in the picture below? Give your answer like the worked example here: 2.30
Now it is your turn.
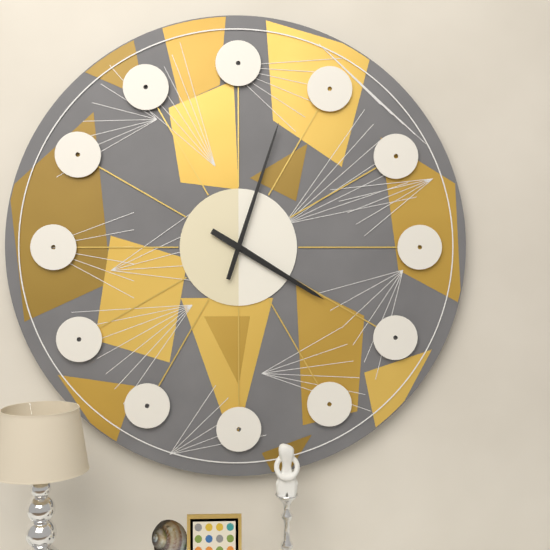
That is 4.03
